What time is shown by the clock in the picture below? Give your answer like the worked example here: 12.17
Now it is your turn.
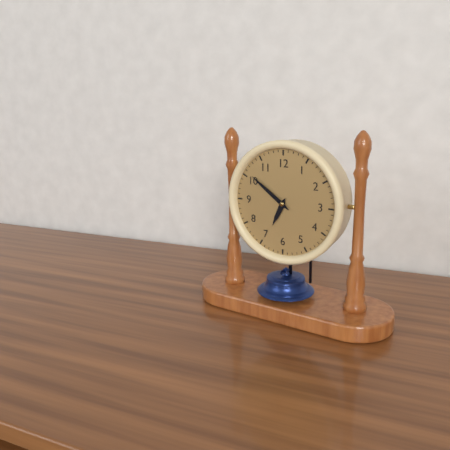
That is 6.51
